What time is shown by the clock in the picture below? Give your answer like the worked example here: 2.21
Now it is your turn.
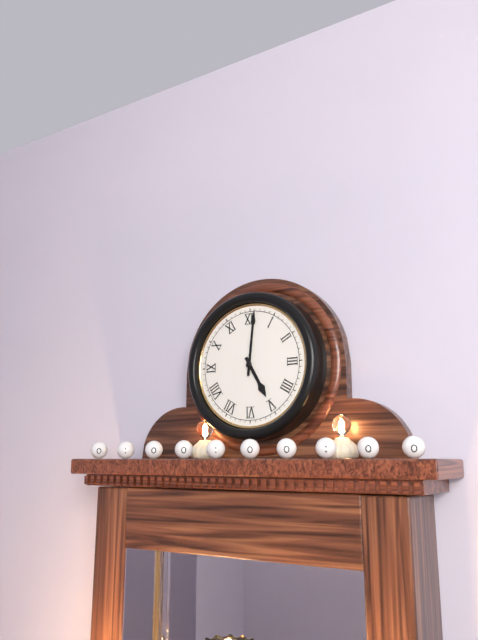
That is 5.01
